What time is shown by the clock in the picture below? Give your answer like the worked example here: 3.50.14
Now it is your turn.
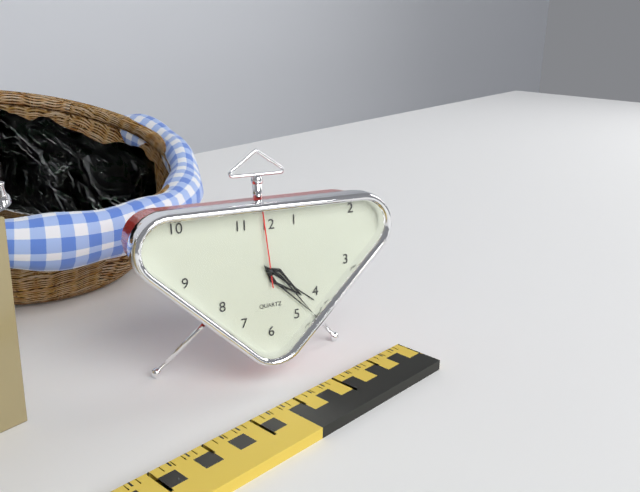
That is 4.23.59
